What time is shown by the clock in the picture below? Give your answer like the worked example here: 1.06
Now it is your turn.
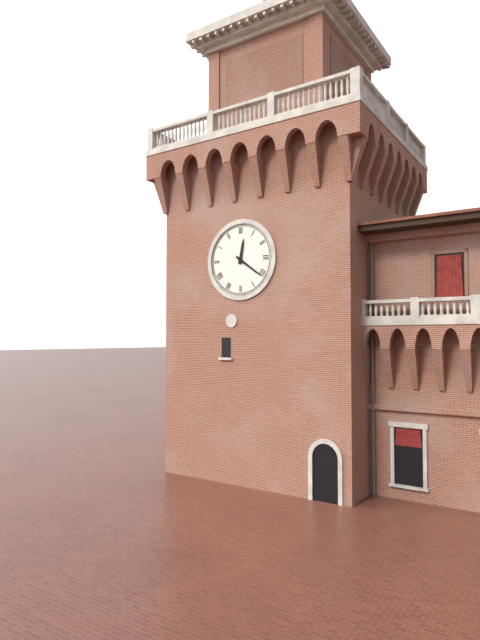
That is 12.21
